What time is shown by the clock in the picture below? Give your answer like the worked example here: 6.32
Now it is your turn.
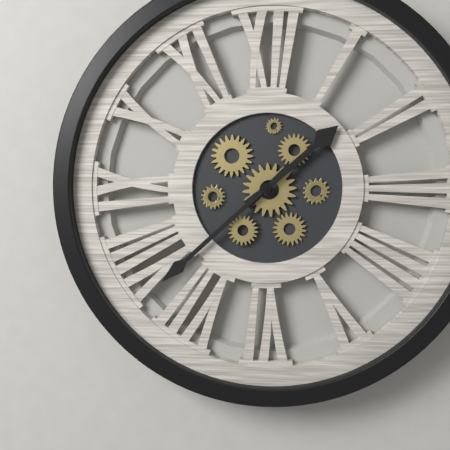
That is 1.38
